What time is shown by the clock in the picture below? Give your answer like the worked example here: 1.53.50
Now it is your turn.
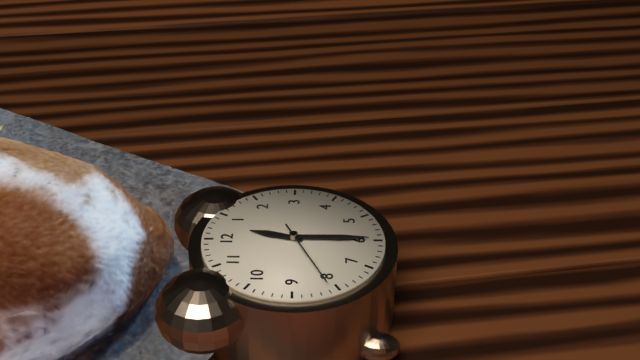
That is 12.30.41
